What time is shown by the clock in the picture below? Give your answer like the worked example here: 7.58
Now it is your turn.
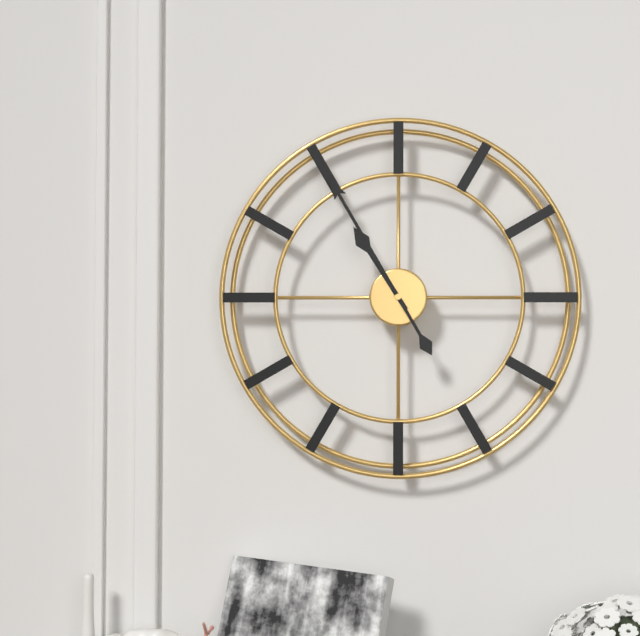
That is 10.55
